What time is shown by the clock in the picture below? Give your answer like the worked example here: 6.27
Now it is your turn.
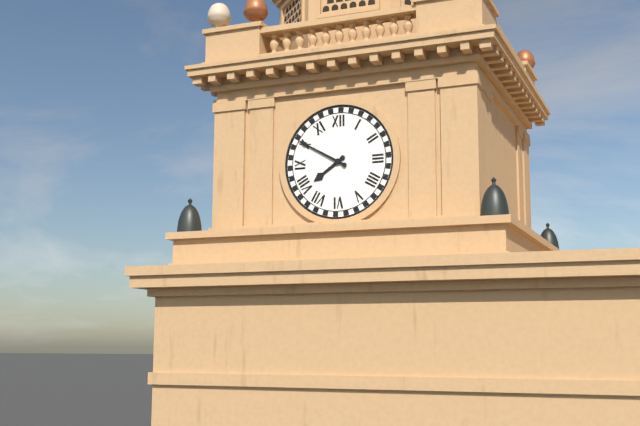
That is 7.50
